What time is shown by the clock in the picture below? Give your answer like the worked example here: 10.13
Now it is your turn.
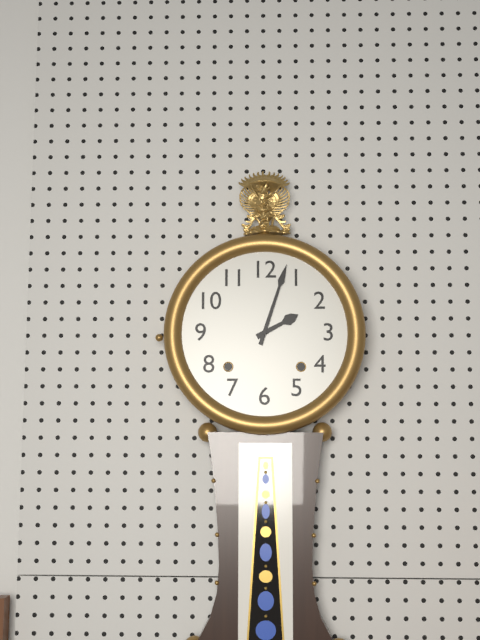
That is 2.03
